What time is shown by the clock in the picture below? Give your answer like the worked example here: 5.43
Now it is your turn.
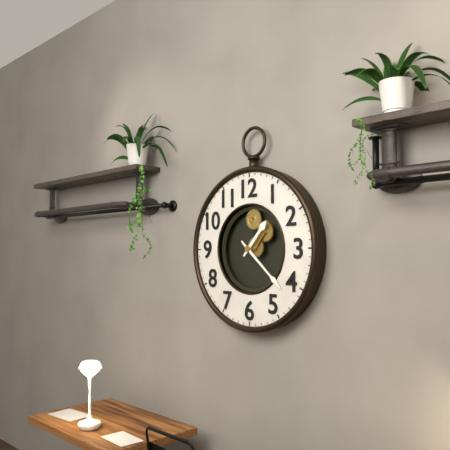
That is 1.22
